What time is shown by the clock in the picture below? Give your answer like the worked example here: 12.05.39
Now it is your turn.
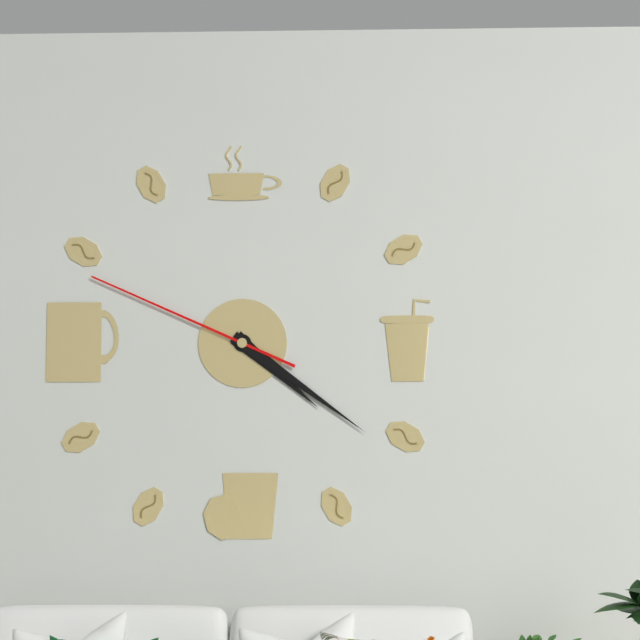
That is 4.21.49
